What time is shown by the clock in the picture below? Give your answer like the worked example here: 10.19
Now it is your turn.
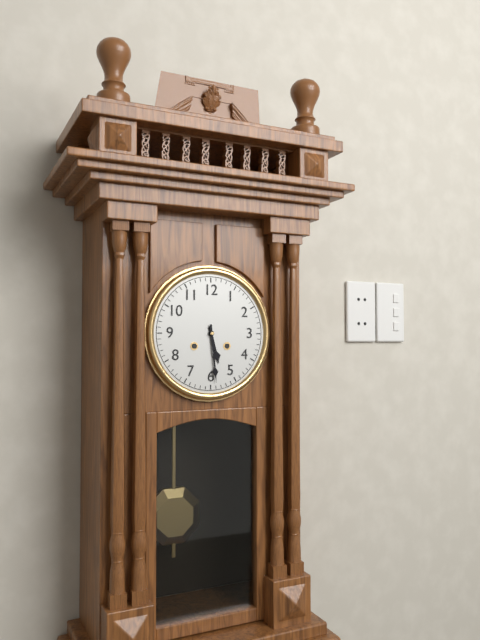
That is 5.29
